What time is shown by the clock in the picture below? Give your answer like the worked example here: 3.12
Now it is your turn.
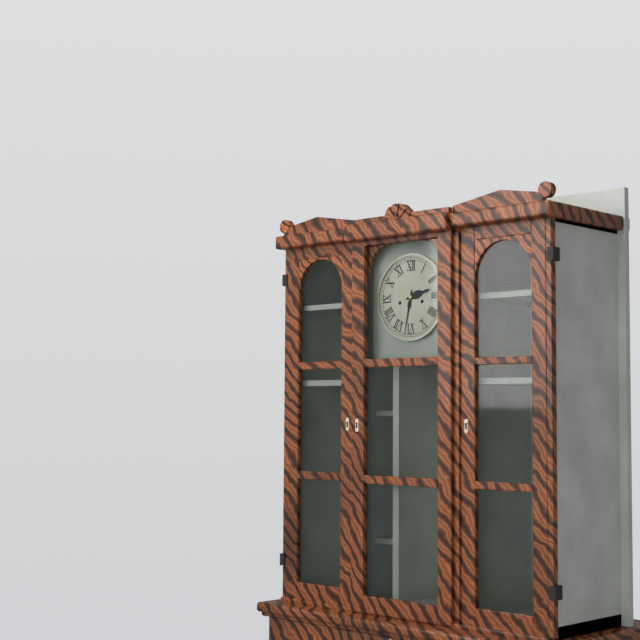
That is 2.32
